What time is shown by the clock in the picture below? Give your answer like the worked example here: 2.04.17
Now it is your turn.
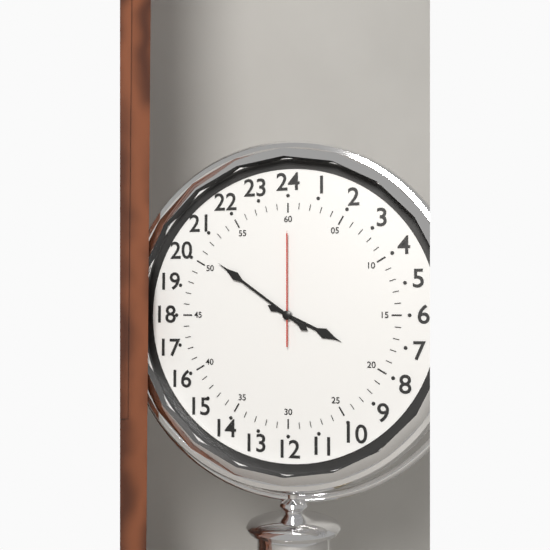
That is 3.51.00
